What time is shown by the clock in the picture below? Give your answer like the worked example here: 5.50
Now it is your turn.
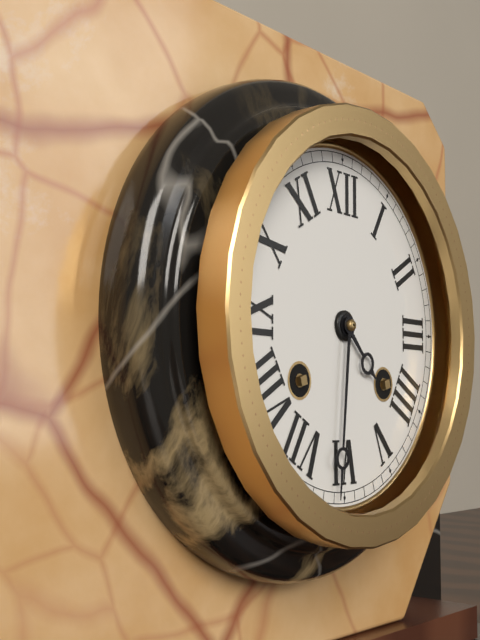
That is 4.31
